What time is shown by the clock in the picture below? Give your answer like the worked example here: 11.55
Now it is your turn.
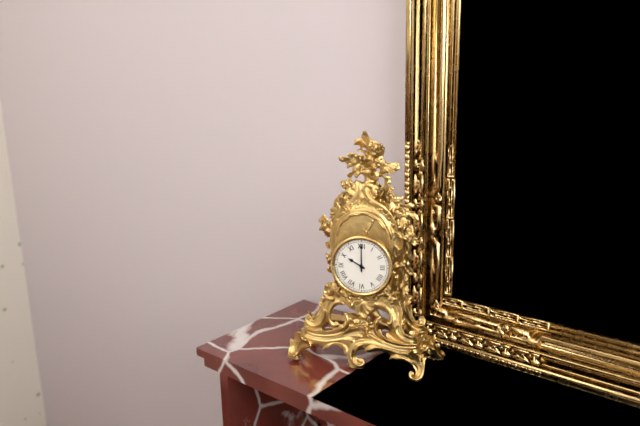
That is 10.00
